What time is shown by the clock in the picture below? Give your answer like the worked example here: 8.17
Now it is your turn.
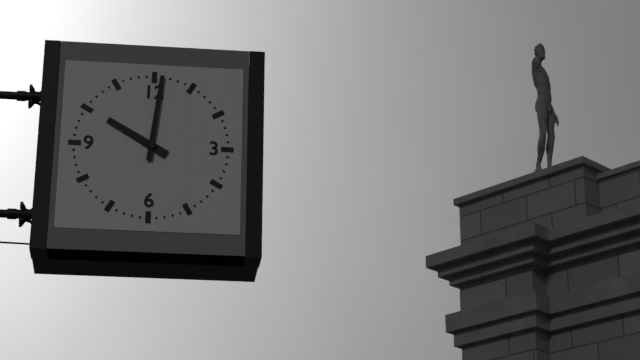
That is 10.01
